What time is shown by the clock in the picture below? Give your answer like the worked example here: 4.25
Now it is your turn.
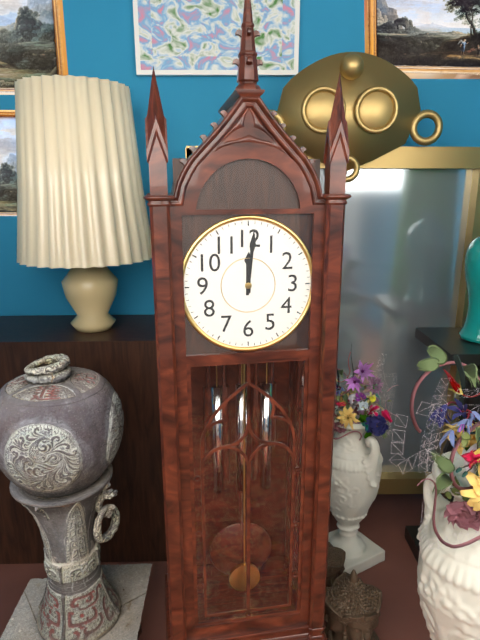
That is 12.01
